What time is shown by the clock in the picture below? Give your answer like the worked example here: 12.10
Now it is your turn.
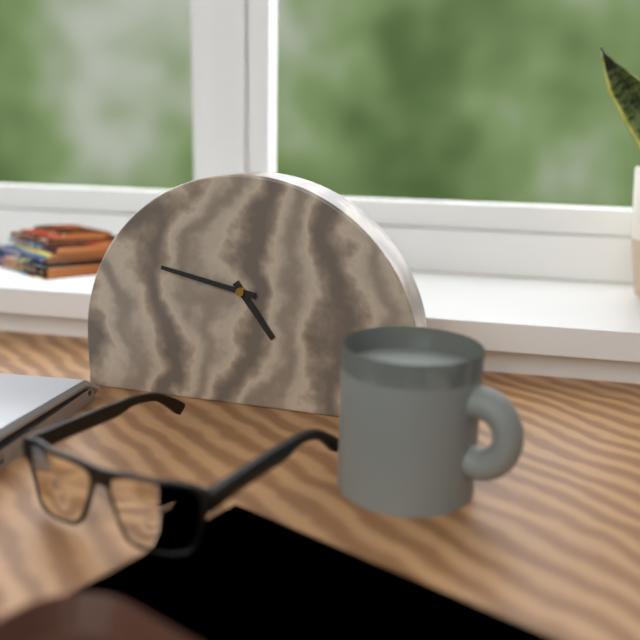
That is 4.47
